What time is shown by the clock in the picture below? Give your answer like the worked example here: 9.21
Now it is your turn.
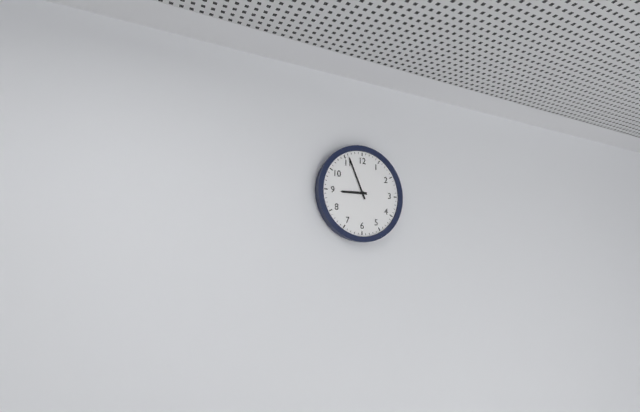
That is 8.56
